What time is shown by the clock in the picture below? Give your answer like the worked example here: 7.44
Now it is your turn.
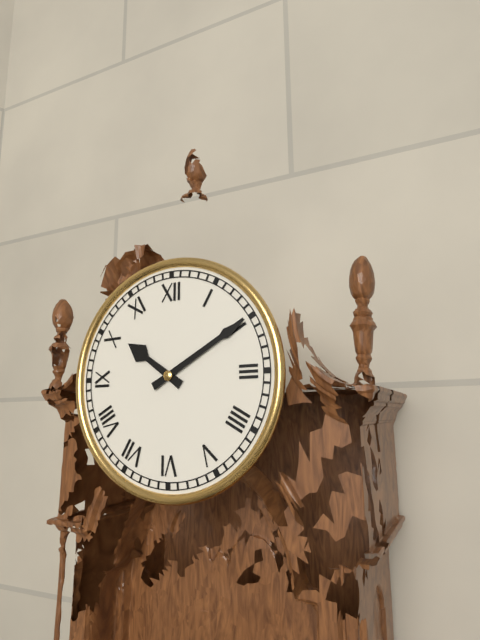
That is 10.10
